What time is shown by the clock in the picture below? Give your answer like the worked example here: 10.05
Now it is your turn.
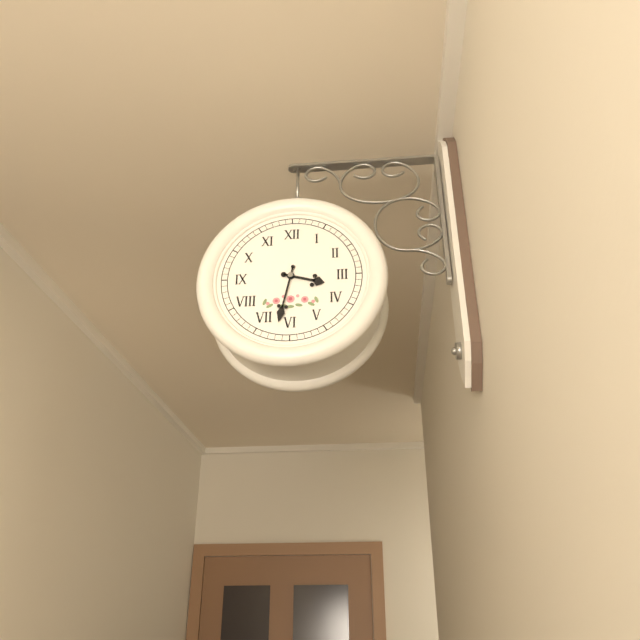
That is 3.32
